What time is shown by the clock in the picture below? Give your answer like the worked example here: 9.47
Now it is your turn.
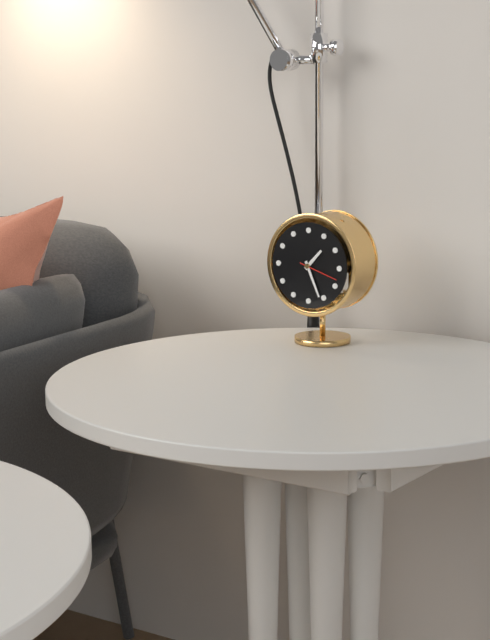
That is 1.26
